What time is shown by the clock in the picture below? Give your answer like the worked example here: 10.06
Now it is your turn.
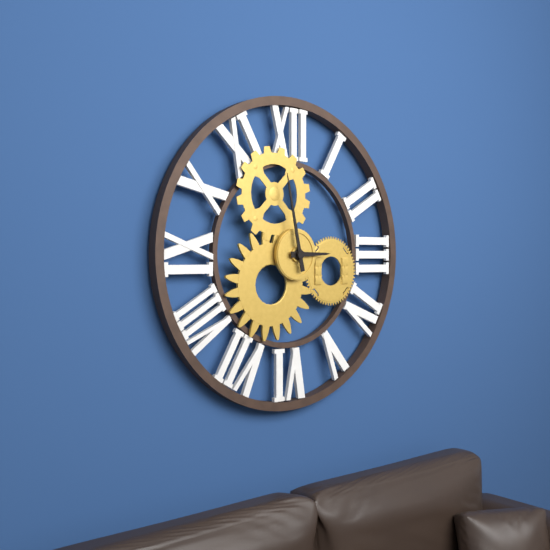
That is 2.58
